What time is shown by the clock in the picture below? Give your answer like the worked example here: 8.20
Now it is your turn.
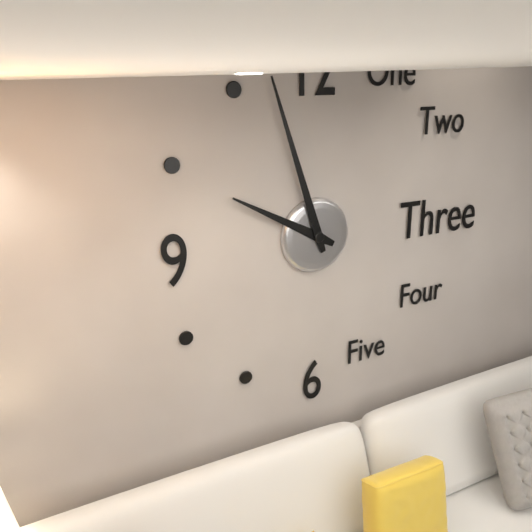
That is 9.57
